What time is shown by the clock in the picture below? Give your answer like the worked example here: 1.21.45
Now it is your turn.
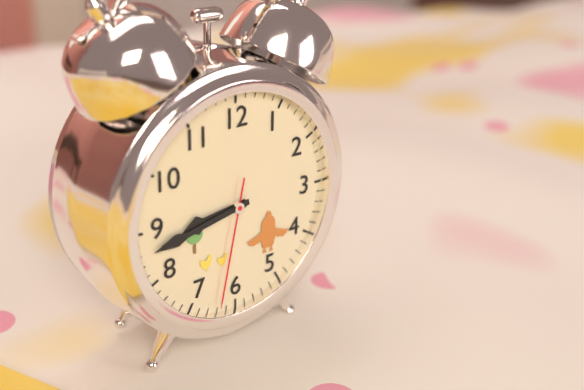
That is 8.43.32
